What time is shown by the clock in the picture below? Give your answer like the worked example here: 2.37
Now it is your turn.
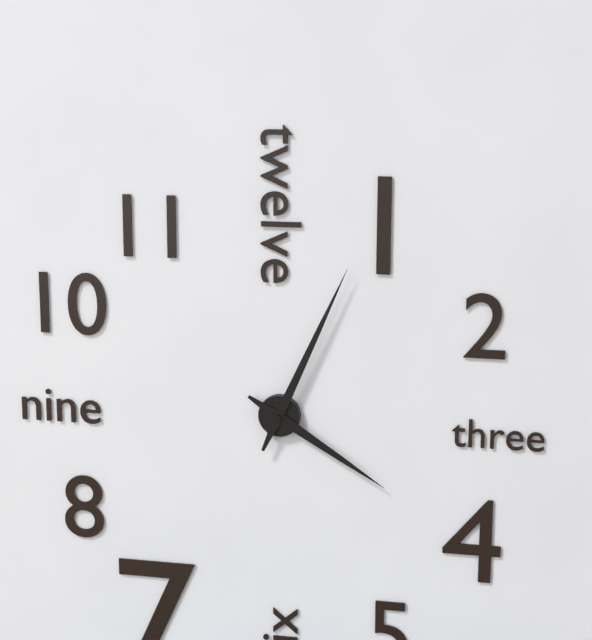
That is 4.04
